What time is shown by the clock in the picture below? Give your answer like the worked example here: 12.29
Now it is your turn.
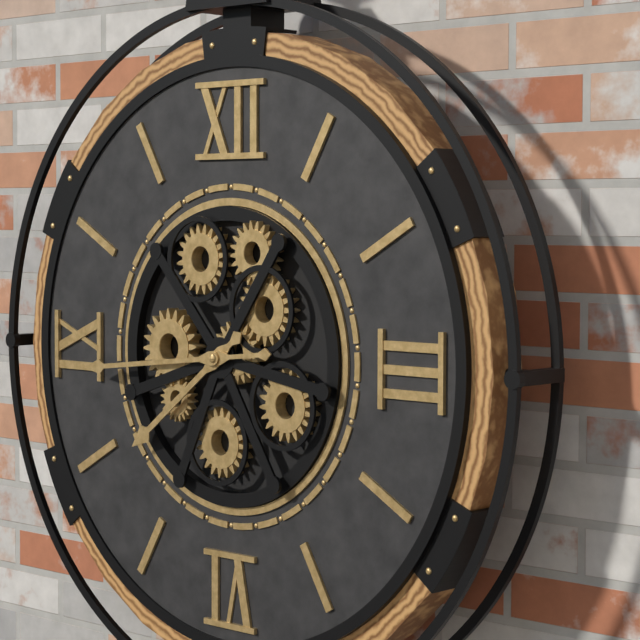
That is 7.44
